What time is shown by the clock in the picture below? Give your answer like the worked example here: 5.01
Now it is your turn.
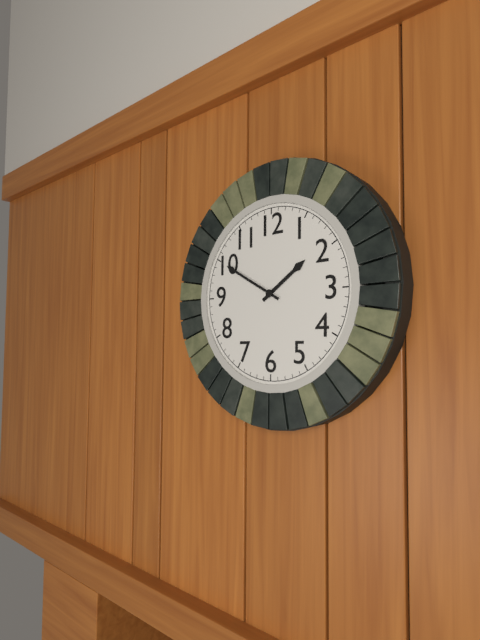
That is 1.50
